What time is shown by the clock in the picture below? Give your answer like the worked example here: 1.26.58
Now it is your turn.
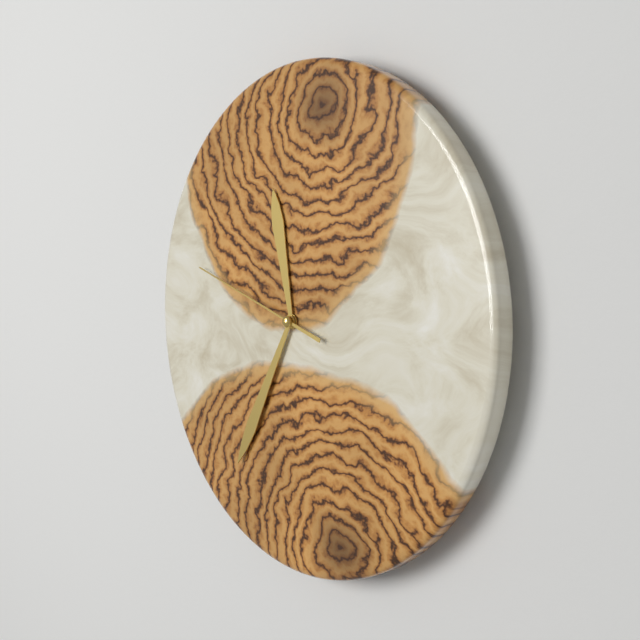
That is 11.35.48
